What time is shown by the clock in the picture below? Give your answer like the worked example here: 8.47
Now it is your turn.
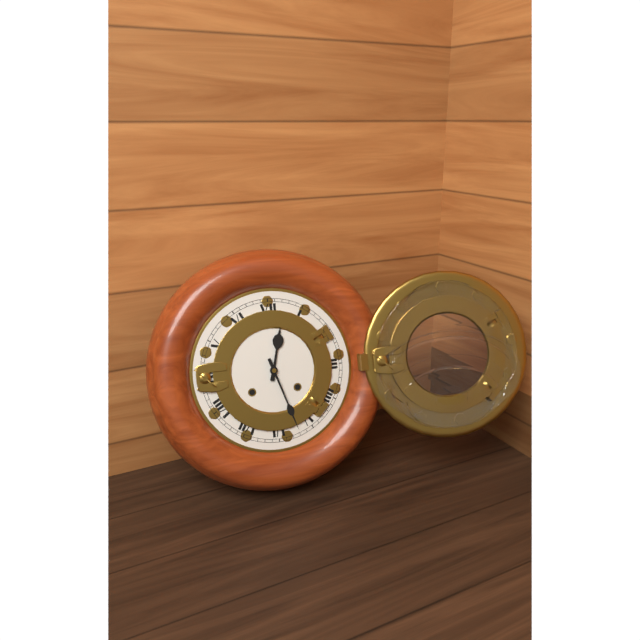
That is 12.27
